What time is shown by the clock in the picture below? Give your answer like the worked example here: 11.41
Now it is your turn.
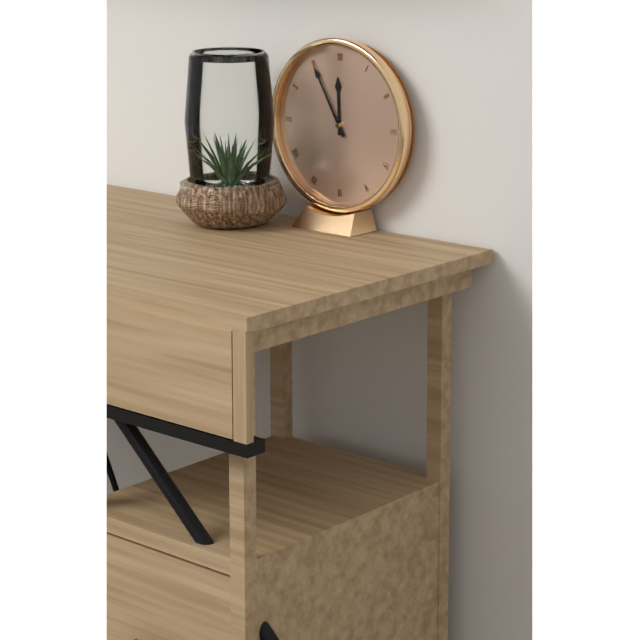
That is 11.55
